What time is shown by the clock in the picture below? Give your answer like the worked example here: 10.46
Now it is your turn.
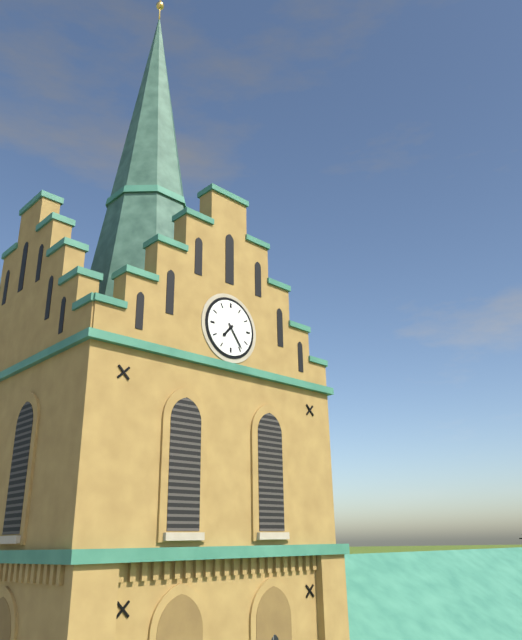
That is 7.24
